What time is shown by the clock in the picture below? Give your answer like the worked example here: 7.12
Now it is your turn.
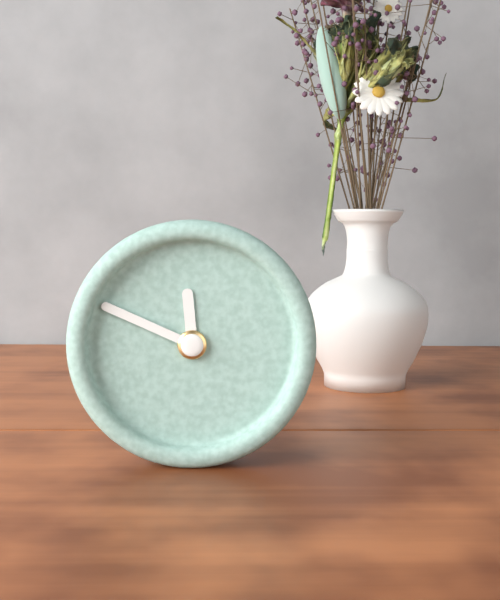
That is 11.49
